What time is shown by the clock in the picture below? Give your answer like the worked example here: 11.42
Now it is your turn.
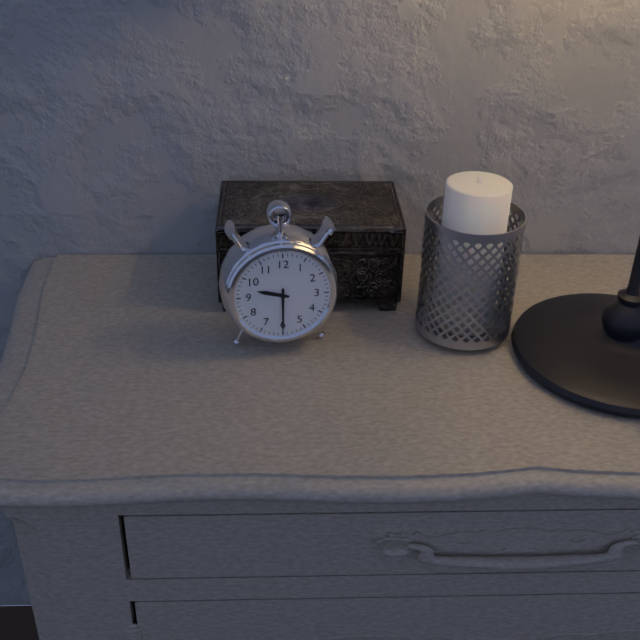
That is 9.30
